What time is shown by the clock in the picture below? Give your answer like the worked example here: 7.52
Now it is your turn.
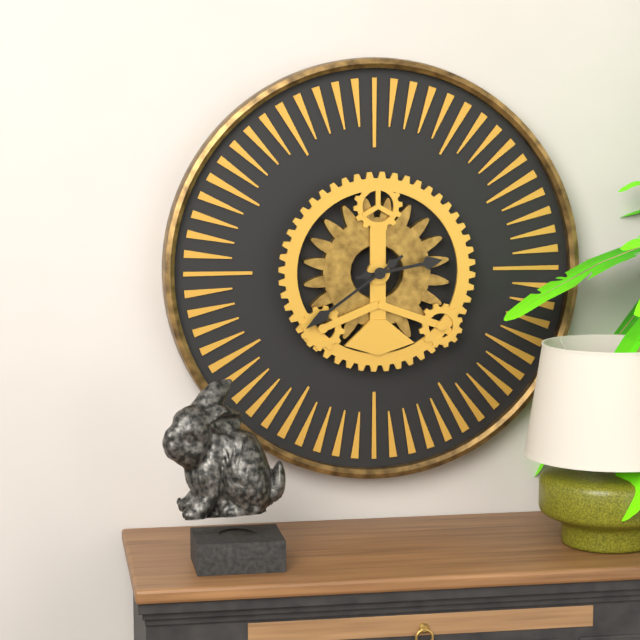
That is 2.39
